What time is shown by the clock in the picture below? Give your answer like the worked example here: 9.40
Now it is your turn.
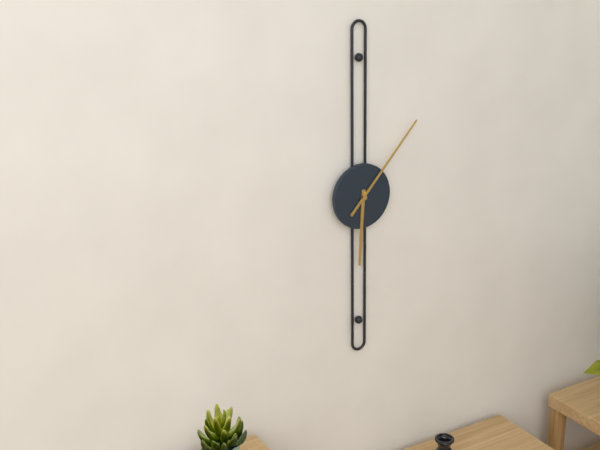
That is 6.07
